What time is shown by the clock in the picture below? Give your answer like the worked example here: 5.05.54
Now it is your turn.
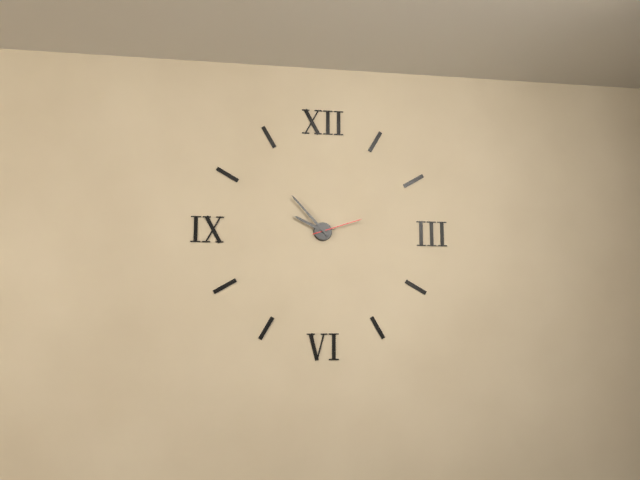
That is 9.53.12
